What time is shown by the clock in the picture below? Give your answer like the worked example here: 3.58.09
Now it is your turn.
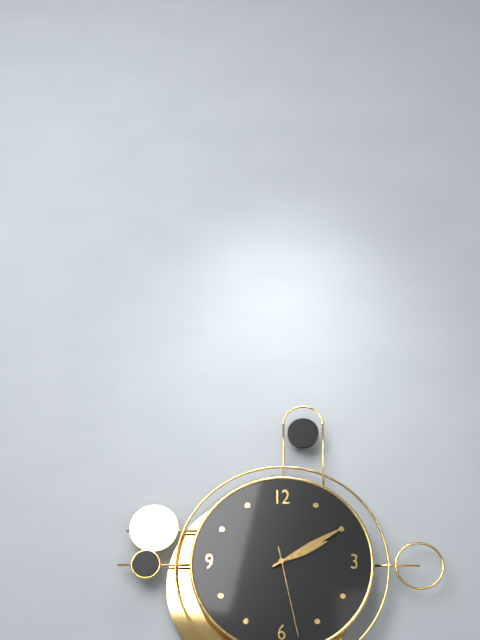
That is 2.10.28
